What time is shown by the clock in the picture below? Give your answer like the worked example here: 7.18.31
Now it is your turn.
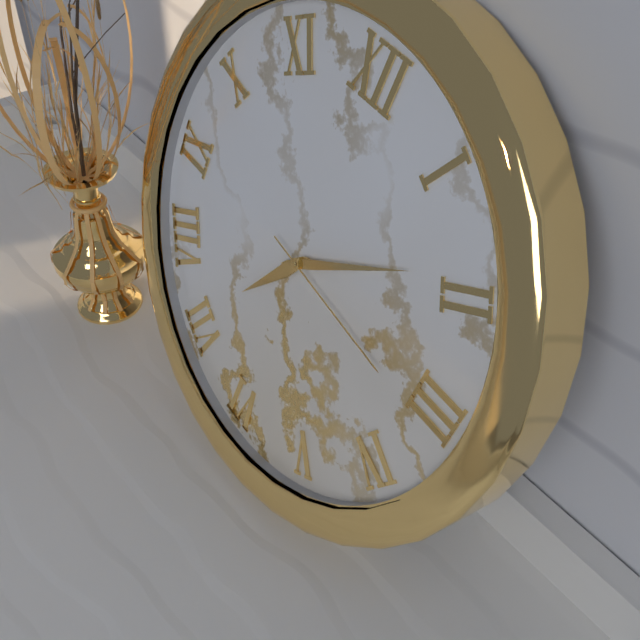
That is 7.09.16
